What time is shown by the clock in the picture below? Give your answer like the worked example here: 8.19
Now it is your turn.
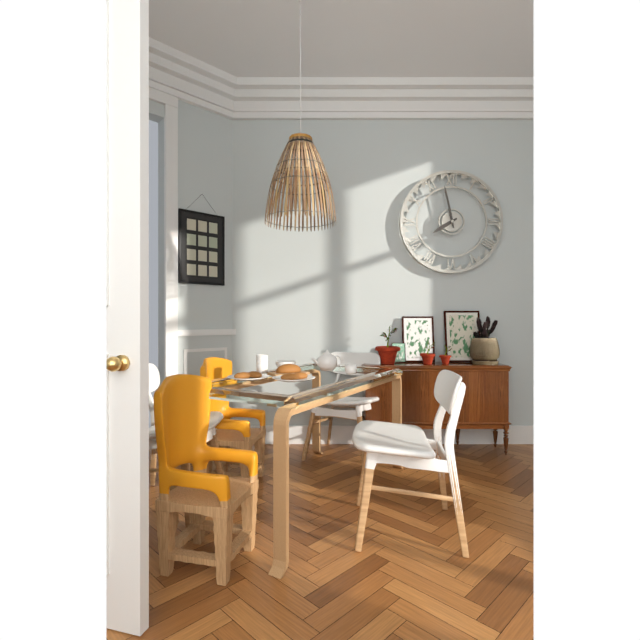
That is 7.58
